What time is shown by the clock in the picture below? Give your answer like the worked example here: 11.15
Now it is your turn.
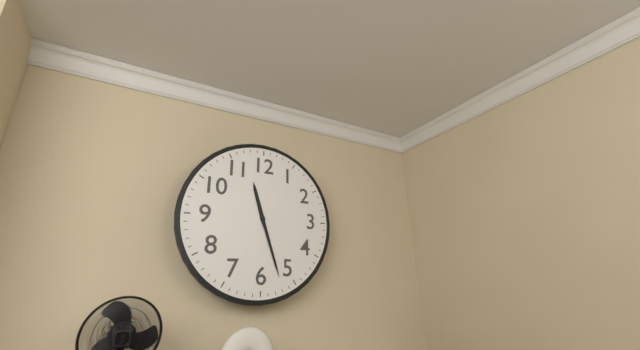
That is 11.27
